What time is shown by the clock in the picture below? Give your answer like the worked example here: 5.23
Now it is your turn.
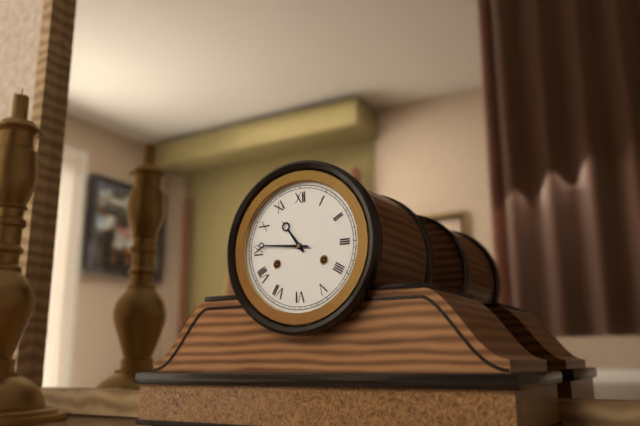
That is 10.46
